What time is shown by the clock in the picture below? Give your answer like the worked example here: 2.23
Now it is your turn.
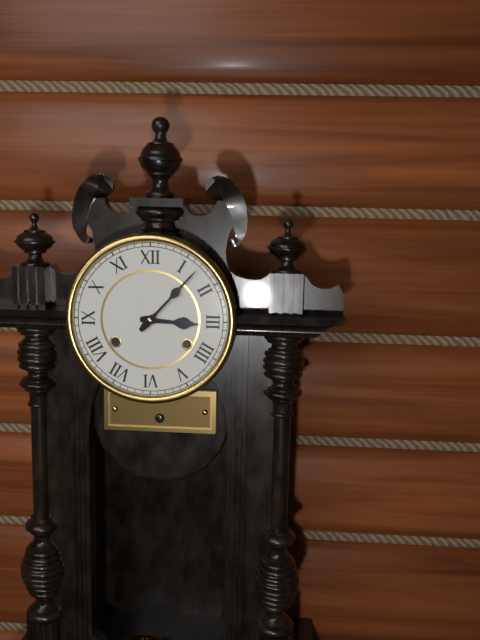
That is 3.07
